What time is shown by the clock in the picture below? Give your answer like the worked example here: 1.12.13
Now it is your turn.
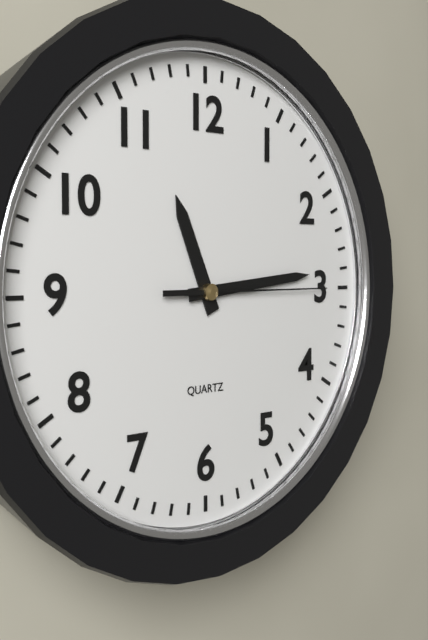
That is 11.14.15
